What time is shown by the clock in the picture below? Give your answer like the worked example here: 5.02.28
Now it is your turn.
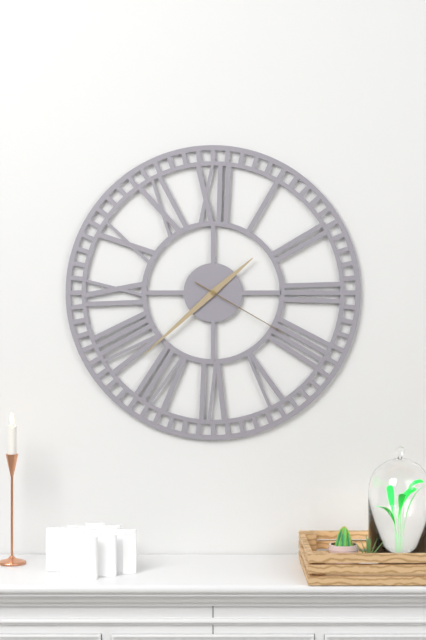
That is 1.38.20
